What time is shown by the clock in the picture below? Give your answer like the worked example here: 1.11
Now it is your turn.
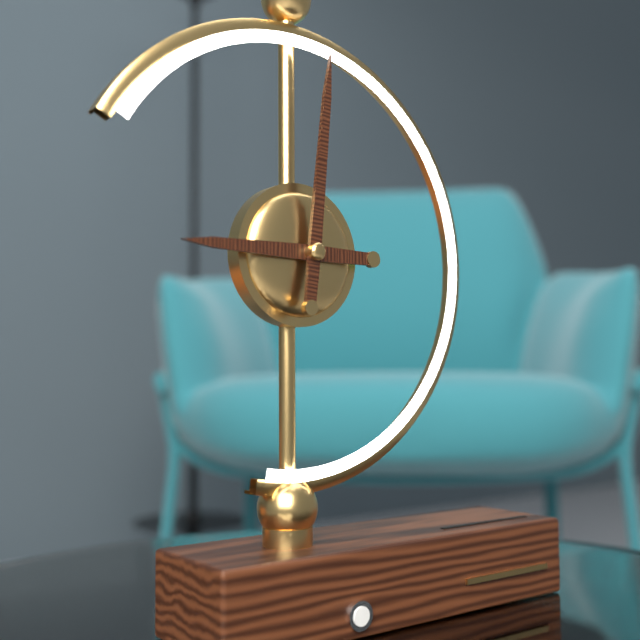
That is 9.01
